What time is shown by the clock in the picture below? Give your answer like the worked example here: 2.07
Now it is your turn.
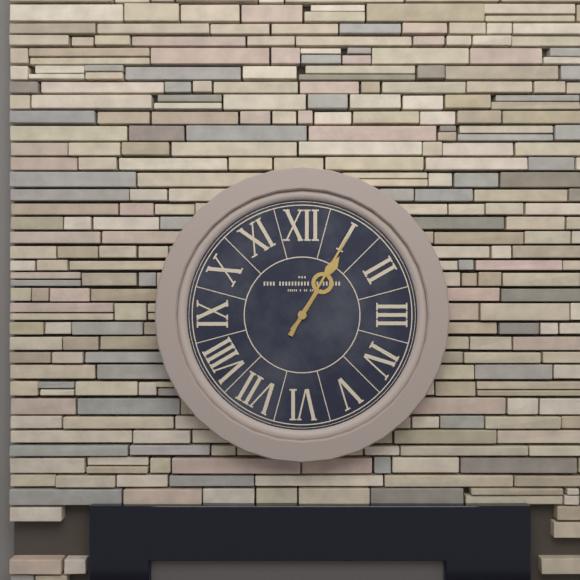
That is 1.05
